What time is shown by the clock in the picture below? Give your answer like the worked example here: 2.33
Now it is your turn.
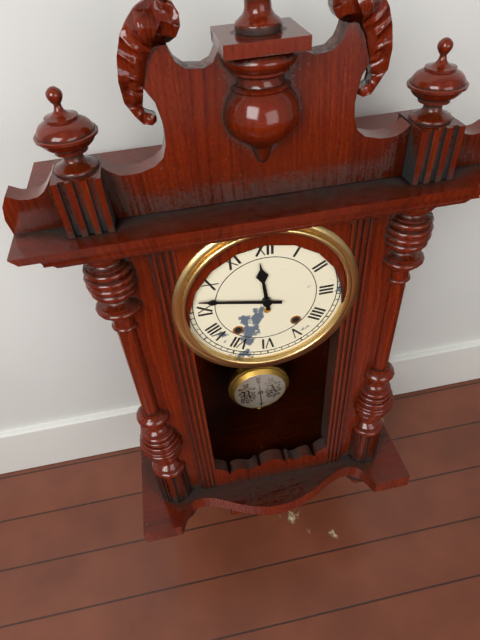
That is 11.47
